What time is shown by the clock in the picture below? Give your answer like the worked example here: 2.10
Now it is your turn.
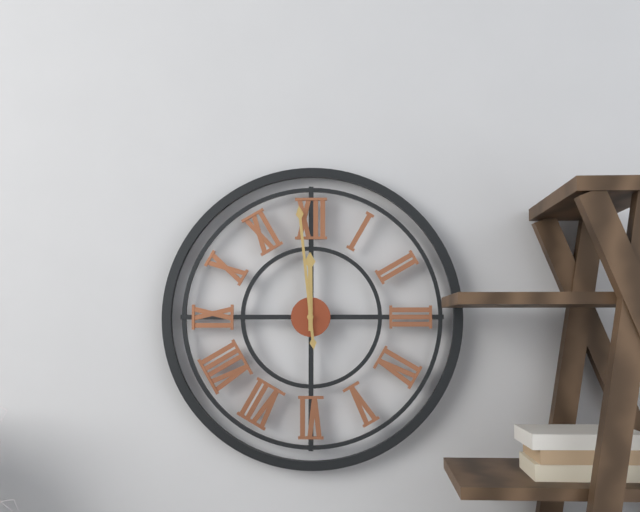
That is 11.59
